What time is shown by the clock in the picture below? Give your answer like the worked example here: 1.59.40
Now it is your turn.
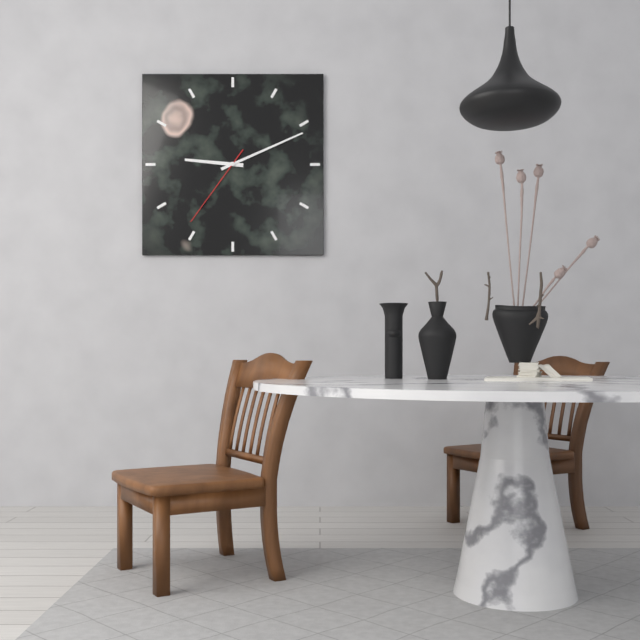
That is 9.11.36
